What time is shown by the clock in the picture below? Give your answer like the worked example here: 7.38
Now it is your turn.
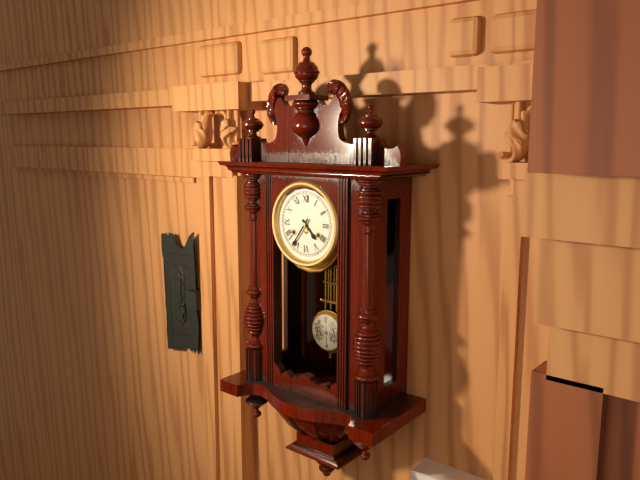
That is 4.36
